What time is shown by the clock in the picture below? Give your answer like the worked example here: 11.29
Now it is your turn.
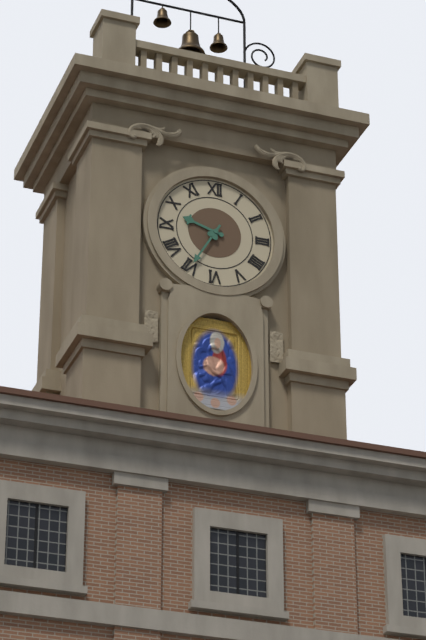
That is 9.35
